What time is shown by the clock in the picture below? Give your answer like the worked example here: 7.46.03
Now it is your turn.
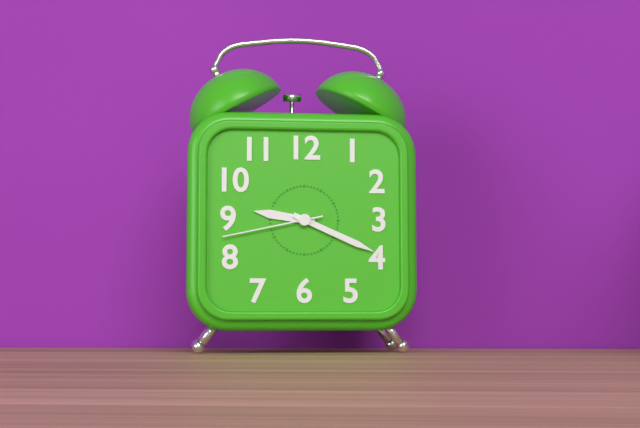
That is 9.19.43
